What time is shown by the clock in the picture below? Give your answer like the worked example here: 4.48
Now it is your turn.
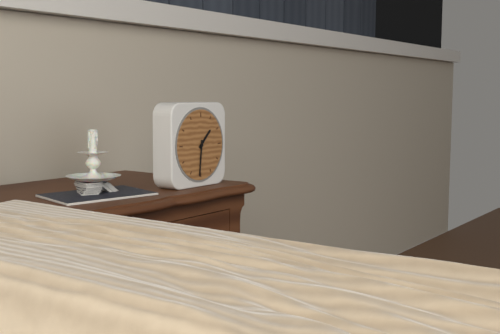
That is 1.31
